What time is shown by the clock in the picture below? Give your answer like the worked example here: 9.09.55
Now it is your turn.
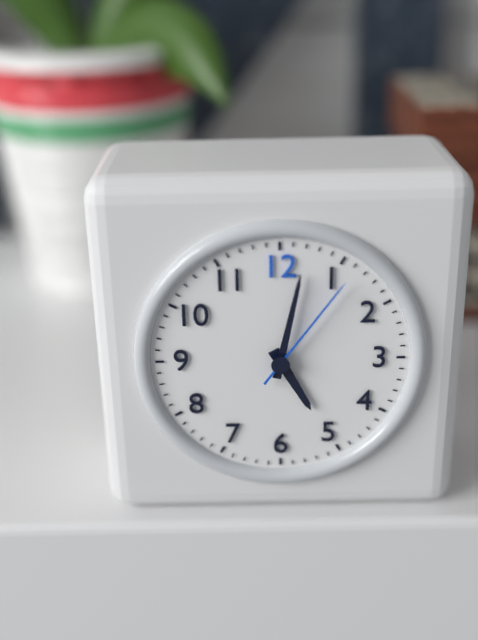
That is 5.02.06
